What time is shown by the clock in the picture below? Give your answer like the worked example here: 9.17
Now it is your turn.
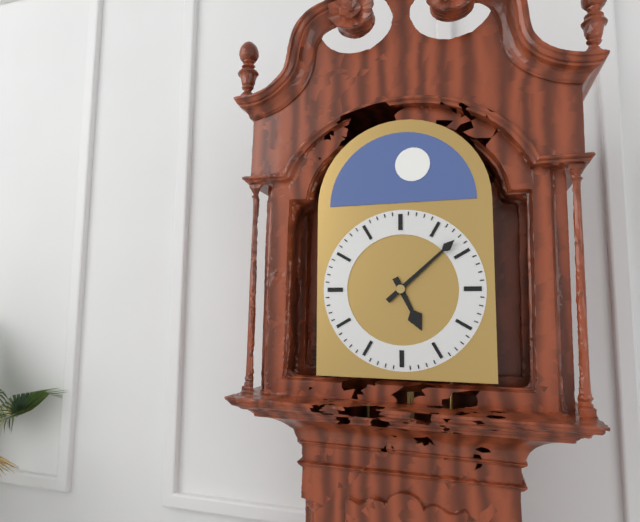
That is 5.08
